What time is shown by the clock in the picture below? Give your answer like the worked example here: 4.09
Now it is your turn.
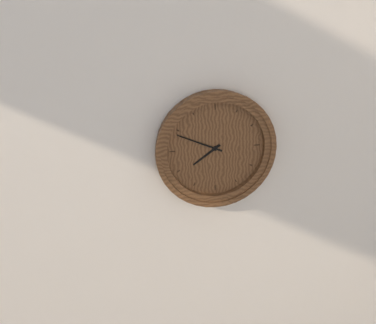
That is 7.49
